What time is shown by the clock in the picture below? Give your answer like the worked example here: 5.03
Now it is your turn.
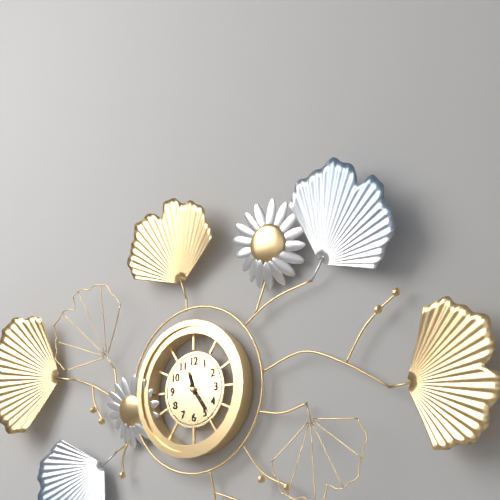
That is 11.24
